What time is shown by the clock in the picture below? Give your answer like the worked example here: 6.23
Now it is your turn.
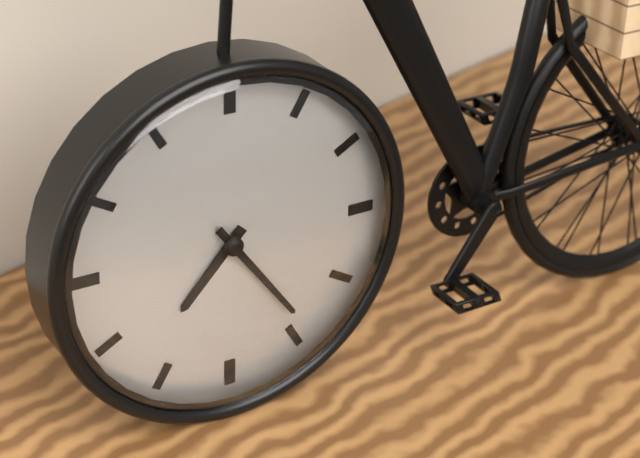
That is 7.24
